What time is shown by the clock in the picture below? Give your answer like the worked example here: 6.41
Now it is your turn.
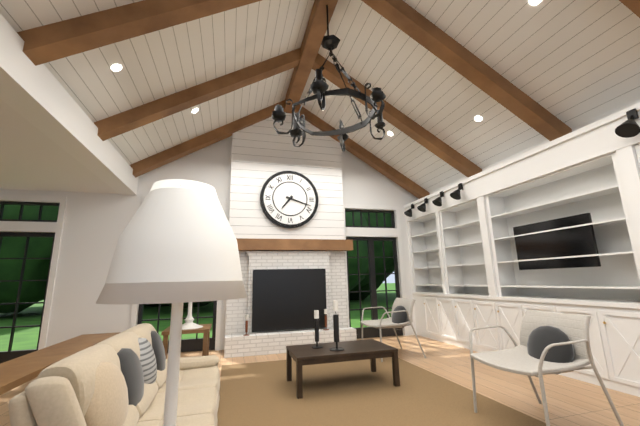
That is 7.18
